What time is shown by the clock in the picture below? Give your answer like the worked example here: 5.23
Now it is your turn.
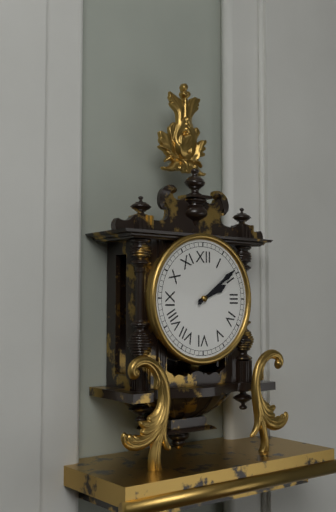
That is 2.09
